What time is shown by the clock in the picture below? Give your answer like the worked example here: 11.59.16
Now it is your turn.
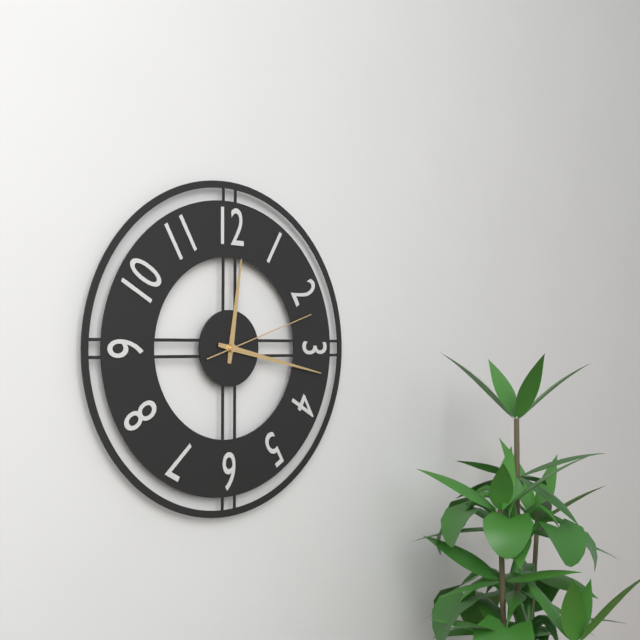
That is 12.17.12
